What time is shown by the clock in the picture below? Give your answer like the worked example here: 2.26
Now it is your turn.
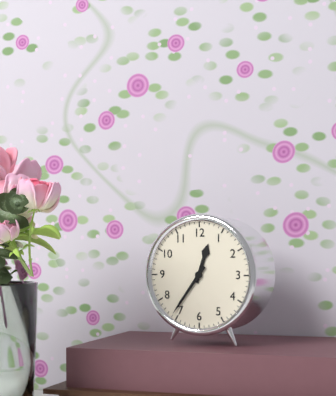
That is 12.36
